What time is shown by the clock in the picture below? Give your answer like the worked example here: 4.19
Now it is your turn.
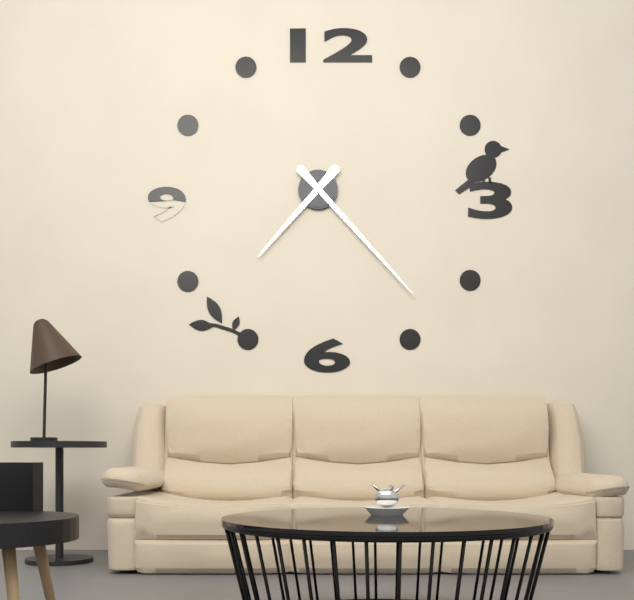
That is 7.23
